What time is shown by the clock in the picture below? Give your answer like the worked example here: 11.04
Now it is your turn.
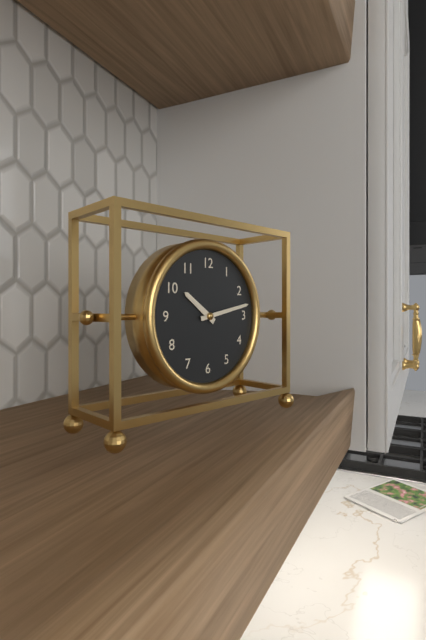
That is 10.13
